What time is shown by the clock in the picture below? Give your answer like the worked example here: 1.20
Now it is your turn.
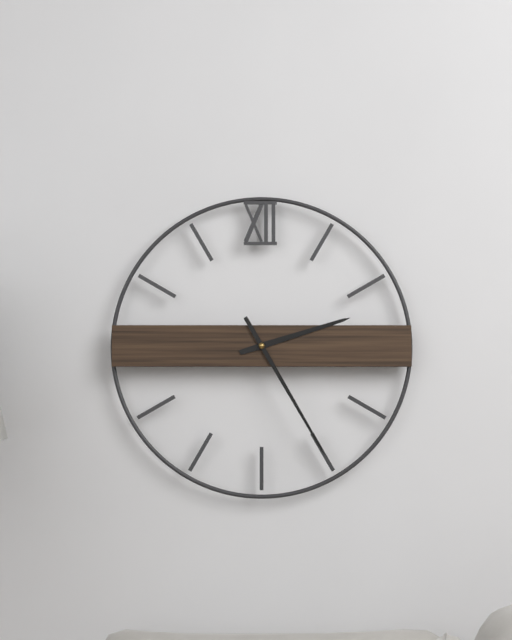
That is 2.25
